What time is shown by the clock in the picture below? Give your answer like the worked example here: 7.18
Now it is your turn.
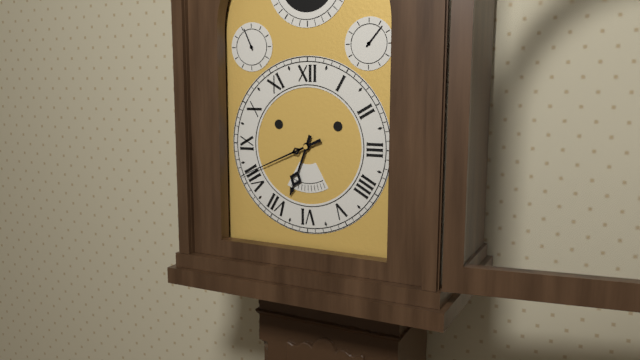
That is 6.41
